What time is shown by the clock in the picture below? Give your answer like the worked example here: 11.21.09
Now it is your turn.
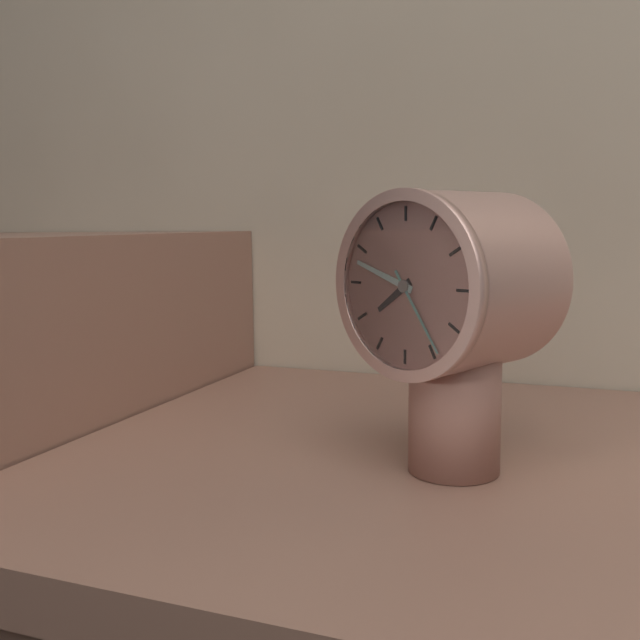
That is 7.48.24
